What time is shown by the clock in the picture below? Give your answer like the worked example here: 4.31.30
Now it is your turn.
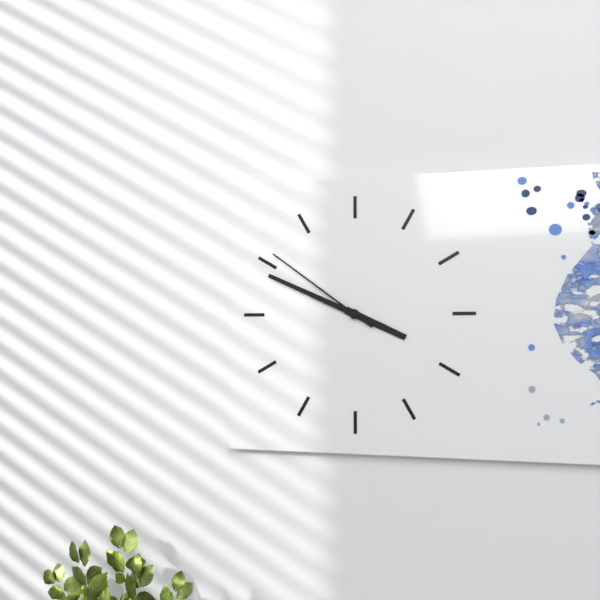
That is 3.49.51
